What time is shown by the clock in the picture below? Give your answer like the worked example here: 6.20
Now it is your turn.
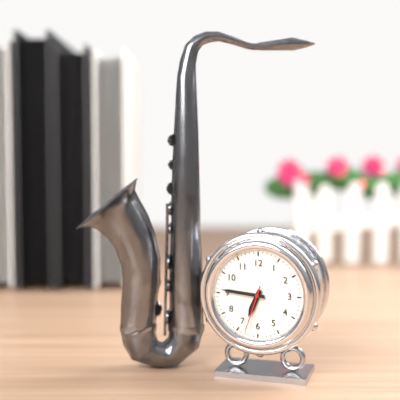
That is 6.46
